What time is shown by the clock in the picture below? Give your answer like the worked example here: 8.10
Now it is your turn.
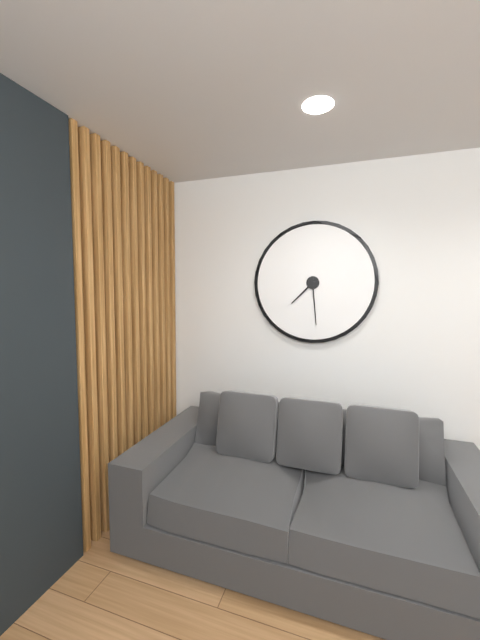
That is 7.29
